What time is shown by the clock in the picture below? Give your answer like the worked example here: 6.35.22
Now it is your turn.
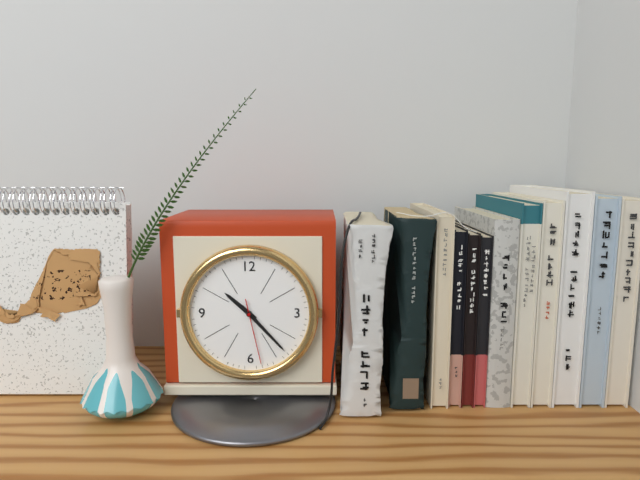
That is 10.23.28
